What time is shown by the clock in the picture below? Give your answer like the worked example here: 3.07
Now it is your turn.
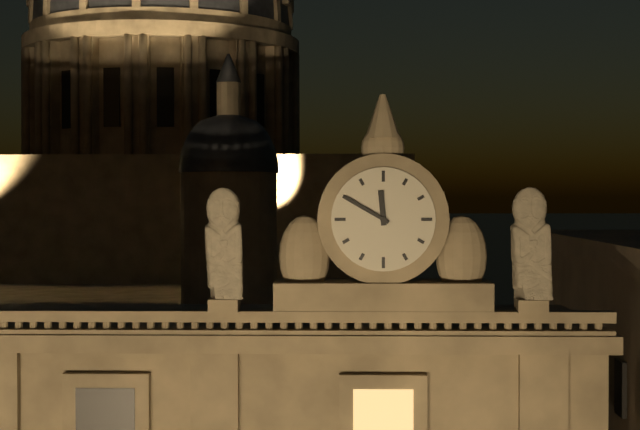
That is 11.50
